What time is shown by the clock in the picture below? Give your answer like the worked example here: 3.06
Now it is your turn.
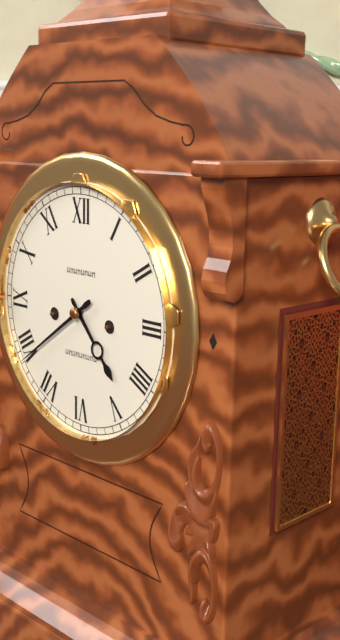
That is 4.39
